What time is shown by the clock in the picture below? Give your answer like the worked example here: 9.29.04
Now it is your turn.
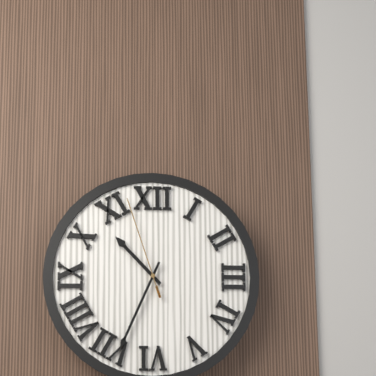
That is 10.34.57
